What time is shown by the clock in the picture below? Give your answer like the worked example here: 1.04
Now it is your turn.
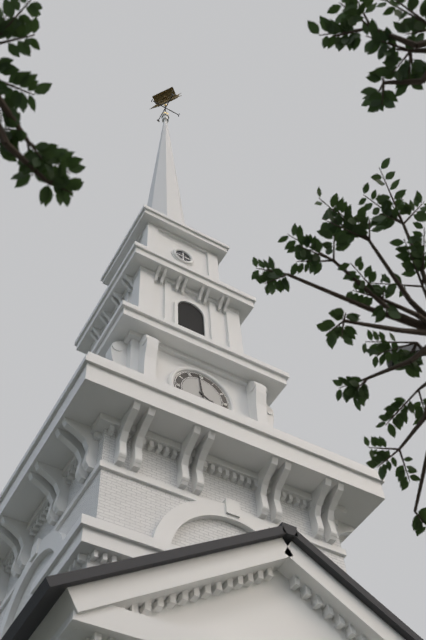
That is 3.59
